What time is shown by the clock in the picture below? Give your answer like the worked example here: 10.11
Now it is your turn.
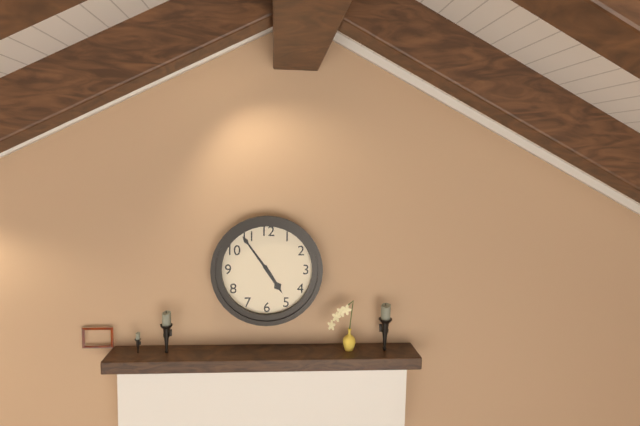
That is 4.54
